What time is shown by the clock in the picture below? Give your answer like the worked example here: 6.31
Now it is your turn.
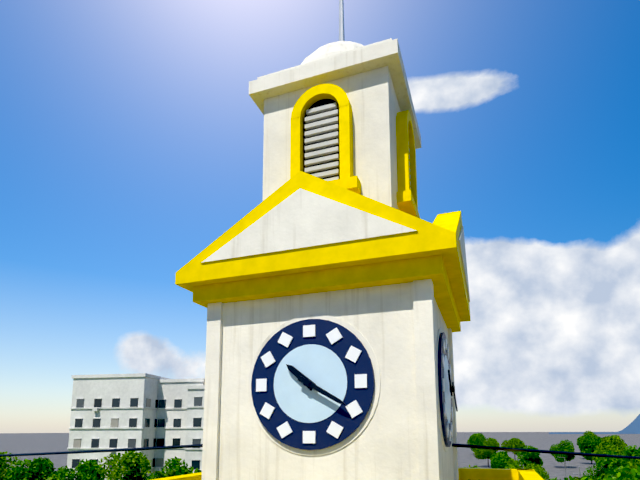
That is 10.20
